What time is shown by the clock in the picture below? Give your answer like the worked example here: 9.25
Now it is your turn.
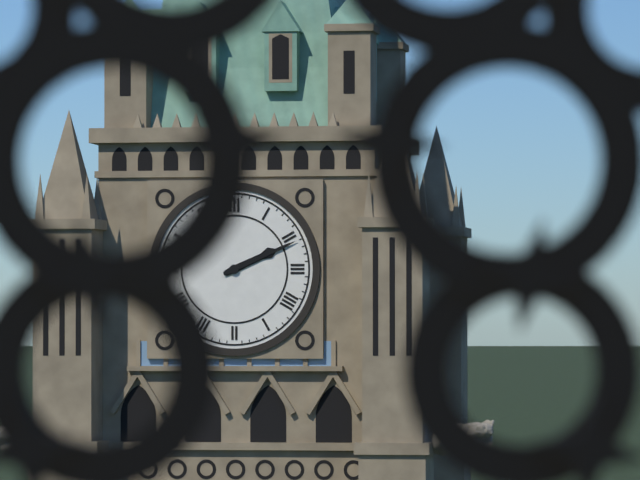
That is 2.11
